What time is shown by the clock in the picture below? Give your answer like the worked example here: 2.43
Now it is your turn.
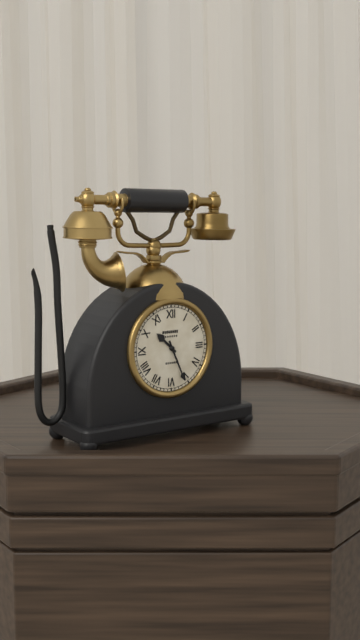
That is 10.26
